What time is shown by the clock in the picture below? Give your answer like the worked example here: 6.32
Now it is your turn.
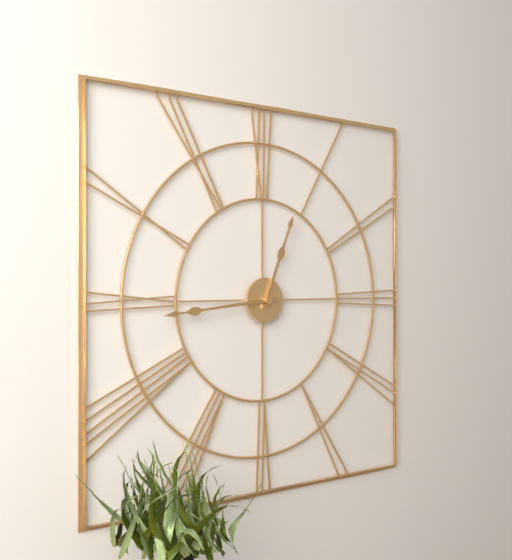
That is 12.44
